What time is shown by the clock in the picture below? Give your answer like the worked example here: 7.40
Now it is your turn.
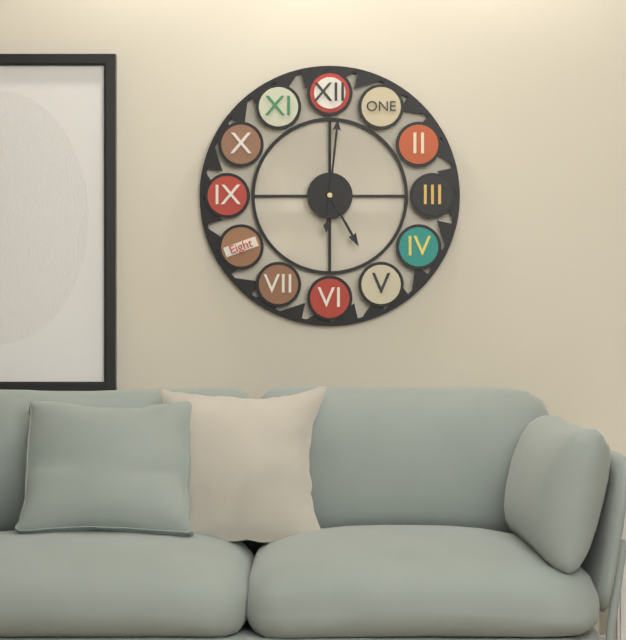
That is 5.01
